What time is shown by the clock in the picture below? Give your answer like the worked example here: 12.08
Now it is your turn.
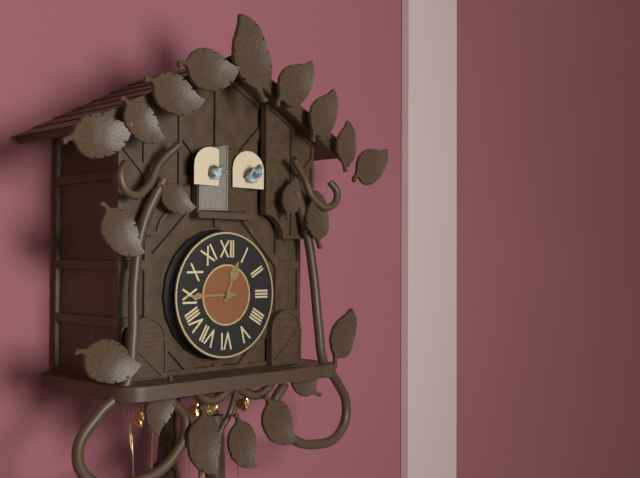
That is 12.45
